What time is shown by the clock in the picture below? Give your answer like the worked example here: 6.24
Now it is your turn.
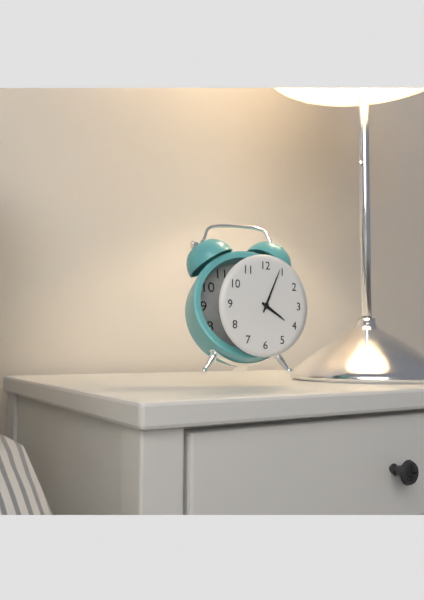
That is 4.04
